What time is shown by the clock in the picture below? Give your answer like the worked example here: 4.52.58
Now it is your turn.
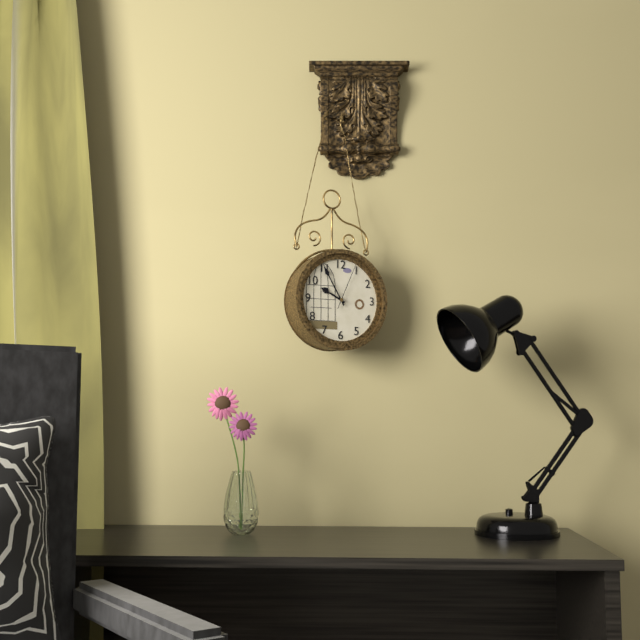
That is 9.55.04
